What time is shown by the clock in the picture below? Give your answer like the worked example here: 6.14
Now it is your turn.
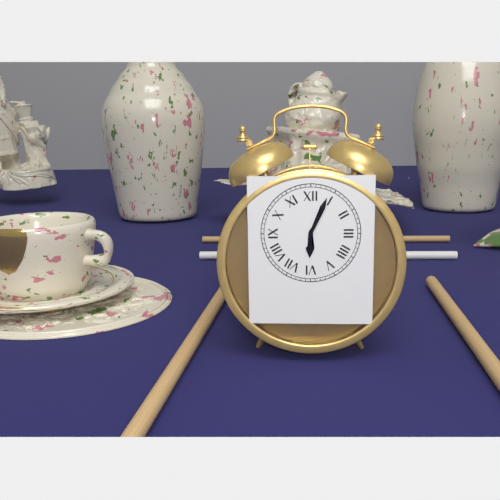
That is 6.04
